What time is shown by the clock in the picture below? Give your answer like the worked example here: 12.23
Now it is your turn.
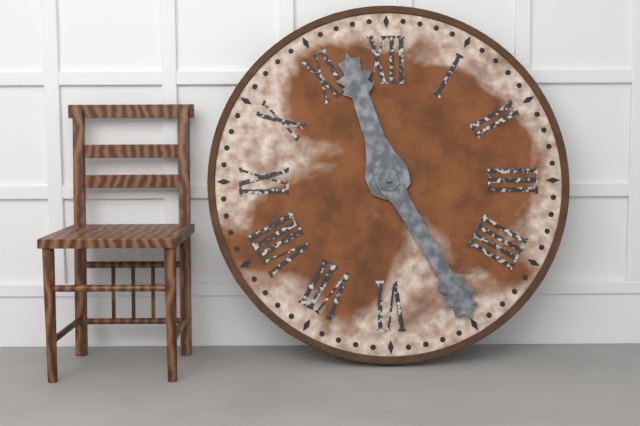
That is 11.25
